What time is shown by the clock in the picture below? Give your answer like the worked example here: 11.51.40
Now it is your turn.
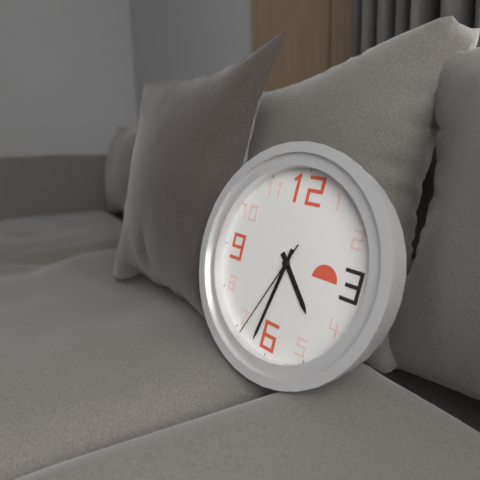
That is 4.32.34
